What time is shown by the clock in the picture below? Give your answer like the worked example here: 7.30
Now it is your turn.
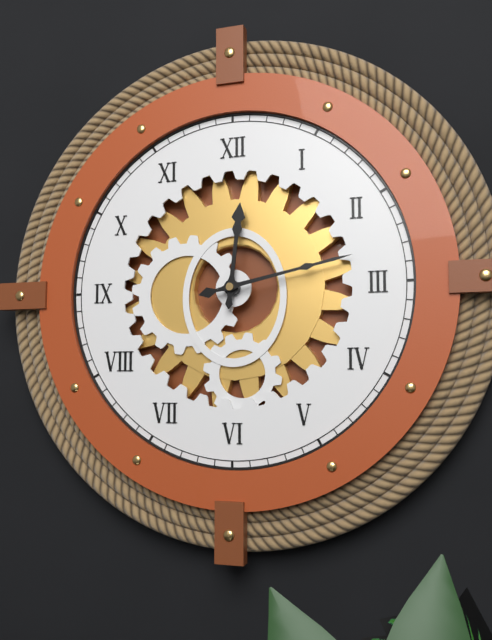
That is 12.13
